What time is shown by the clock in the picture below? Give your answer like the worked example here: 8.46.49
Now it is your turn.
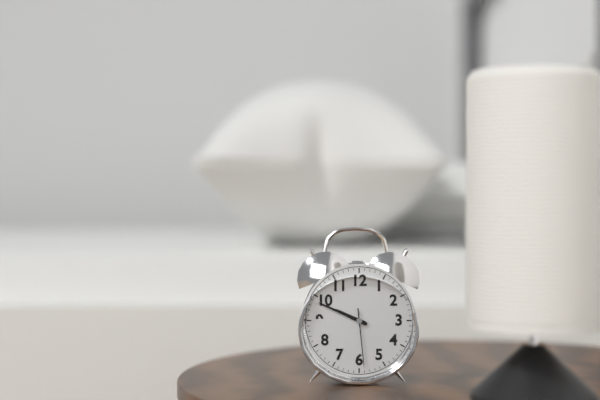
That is 9.49.29
